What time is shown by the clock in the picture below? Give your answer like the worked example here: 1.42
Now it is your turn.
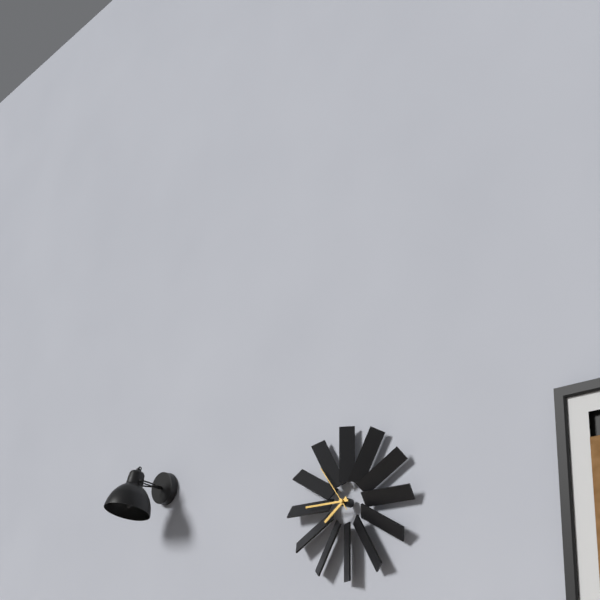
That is 7.45
